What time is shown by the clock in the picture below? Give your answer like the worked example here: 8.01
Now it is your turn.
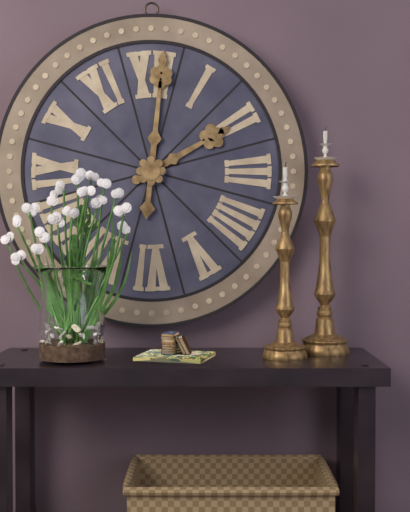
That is 2.01
